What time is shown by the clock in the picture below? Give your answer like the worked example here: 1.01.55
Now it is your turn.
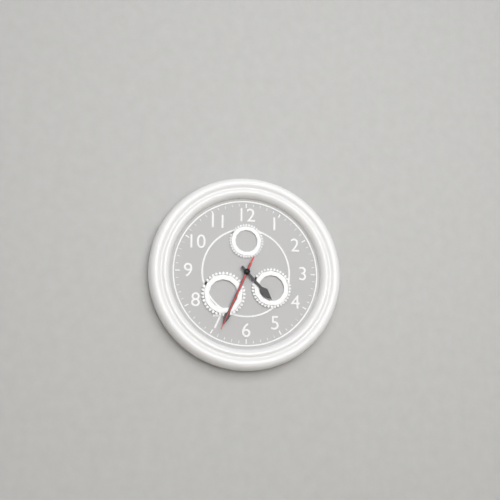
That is 4.34.34
